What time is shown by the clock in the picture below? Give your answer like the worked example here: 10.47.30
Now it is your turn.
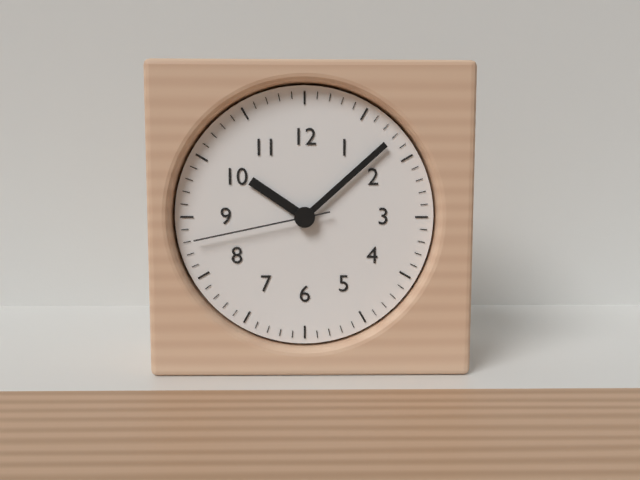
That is 10.08.43
